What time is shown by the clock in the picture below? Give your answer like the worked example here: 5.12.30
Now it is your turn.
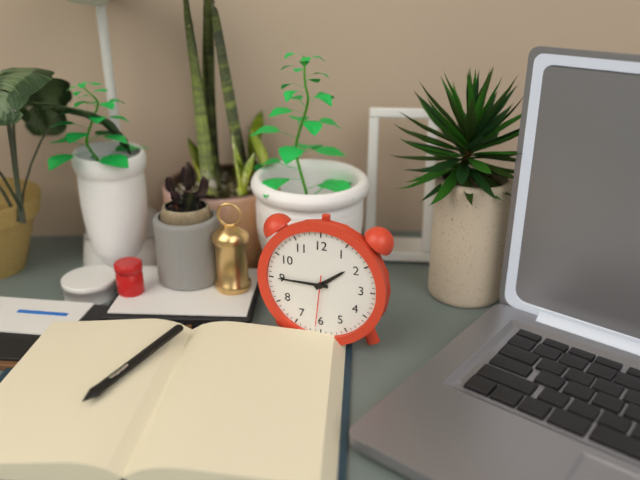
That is 1.45.31
